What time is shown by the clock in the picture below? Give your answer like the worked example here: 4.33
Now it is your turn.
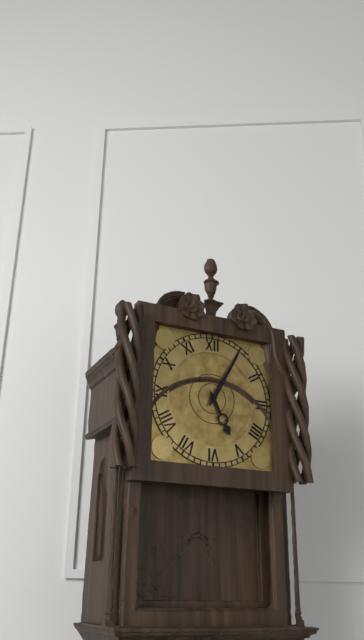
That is 5.05
